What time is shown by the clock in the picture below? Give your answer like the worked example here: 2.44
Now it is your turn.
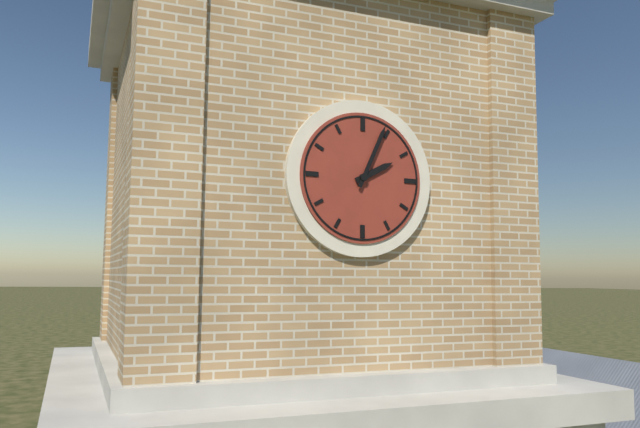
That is 2.04
